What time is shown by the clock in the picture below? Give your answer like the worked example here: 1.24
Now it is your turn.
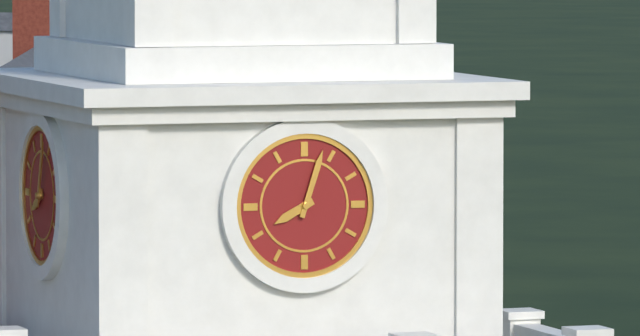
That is 8.03
